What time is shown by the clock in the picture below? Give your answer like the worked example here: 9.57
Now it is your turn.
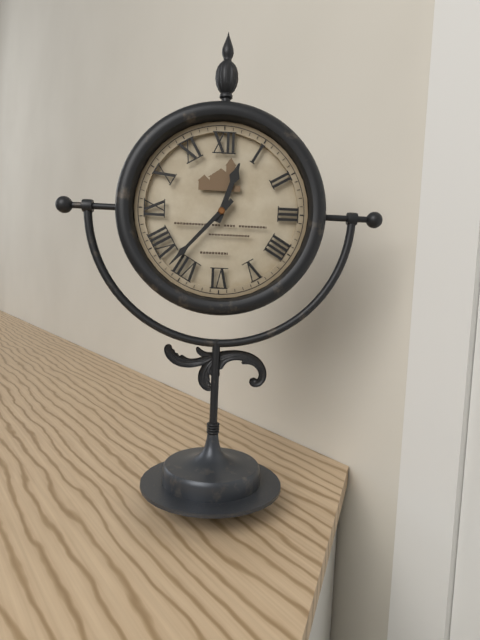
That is 12.37
